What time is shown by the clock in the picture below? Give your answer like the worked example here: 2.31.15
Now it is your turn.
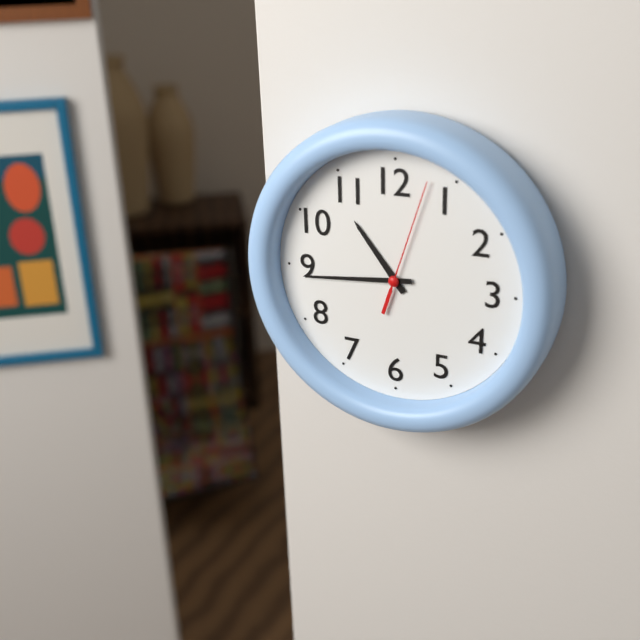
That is 10.44.03
